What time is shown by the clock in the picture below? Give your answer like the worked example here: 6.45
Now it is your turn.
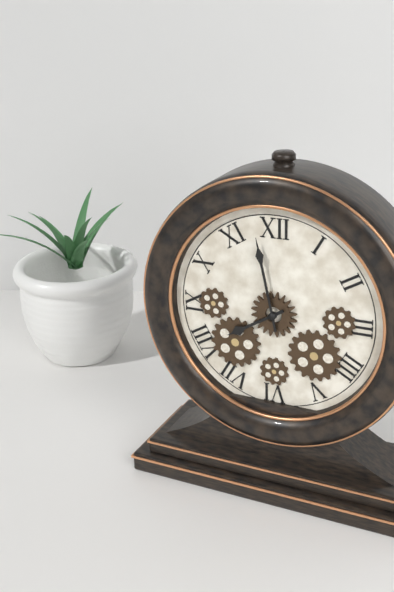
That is 7.58
